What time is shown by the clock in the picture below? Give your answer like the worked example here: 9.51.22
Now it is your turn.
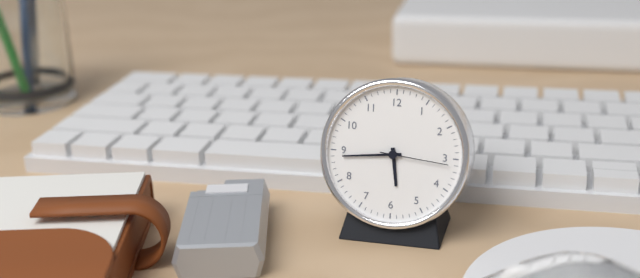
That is 5.44.16
